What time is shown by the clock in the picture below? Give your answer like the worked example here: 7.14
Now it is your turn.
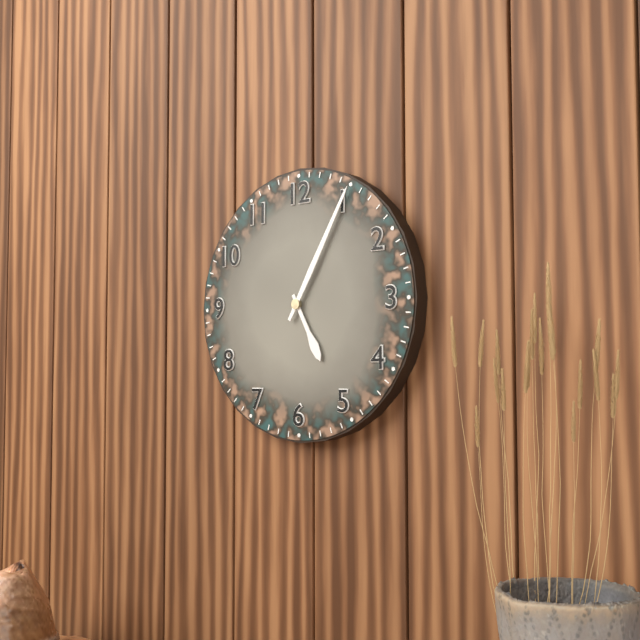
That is 5.05
